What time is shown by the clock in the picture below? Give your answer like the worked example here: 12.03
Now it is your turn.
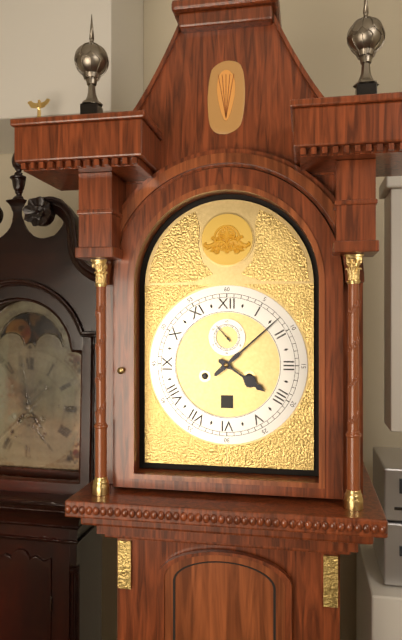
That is 4.08
